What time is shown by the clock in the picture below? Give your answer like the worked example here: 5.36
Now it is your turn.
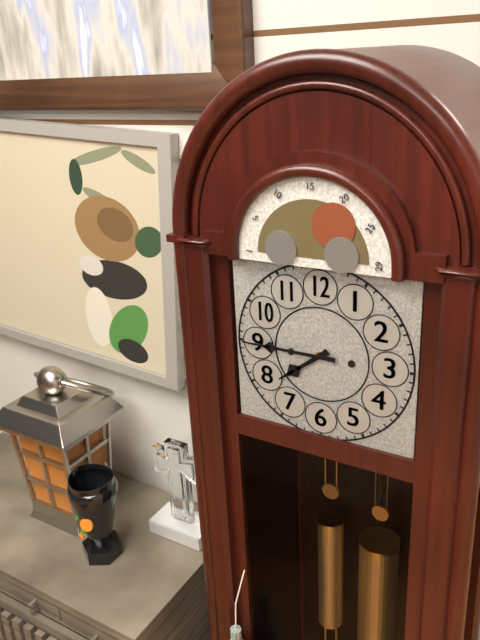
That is 7.45
